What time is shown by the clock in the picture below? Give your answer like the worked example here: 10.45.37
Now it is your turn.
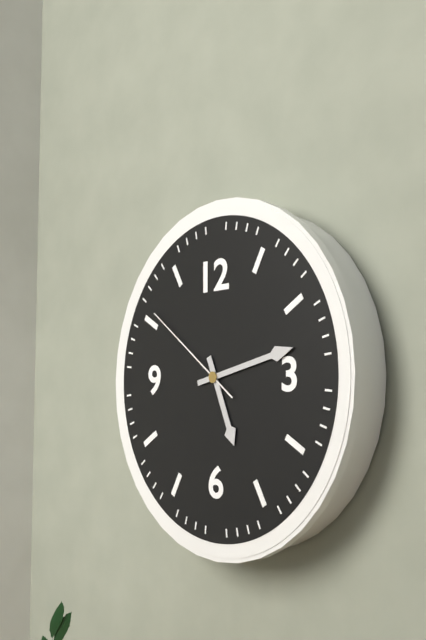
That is 5.13.51
